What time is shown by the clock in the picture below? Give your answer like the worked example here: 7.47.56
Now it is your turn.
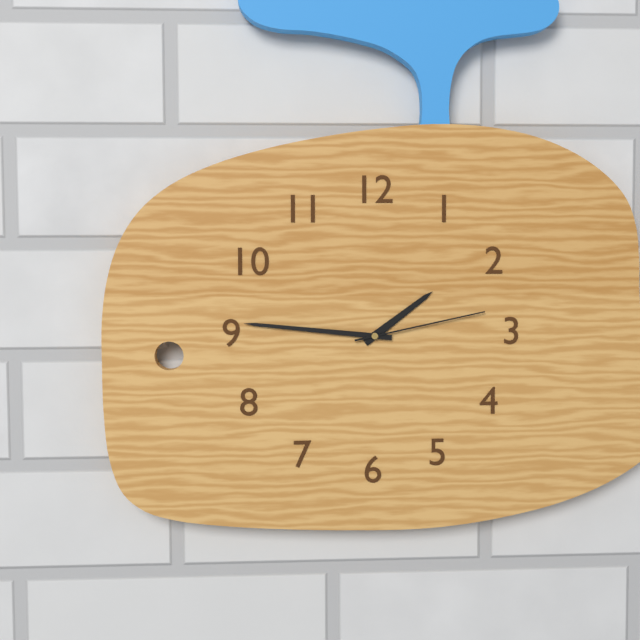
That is 1.46.13
